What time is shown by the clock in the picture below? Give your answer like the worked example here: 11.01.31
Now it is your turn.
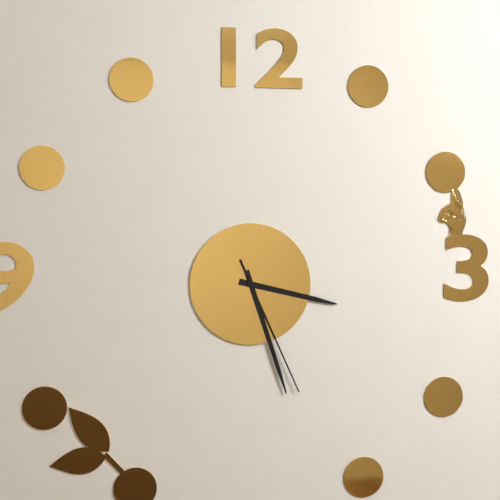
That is 3.27.26
